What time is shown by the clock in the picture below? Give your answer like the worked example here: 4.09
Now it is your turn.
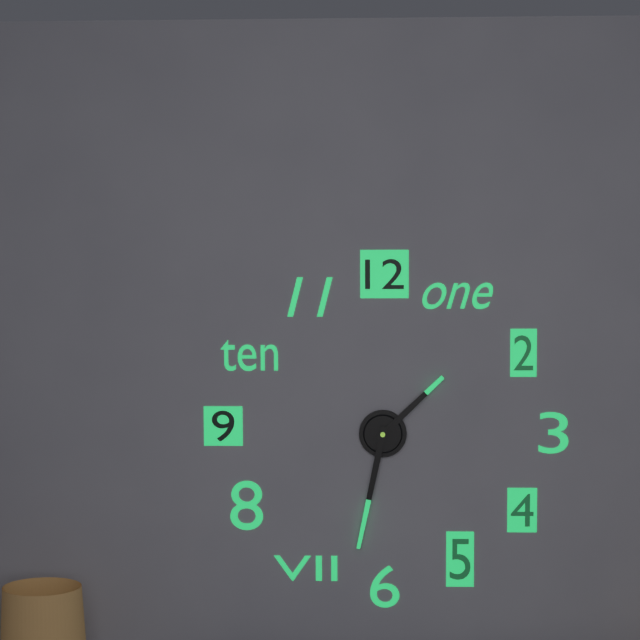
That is 1.32
